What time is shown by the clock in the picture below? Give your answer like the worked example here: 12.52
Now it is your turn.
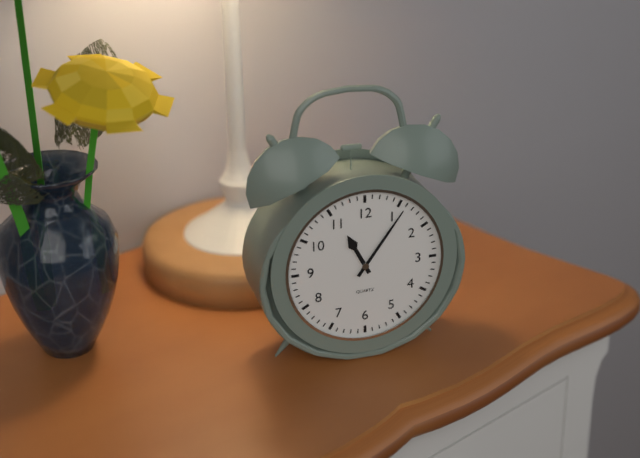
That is 11.06
